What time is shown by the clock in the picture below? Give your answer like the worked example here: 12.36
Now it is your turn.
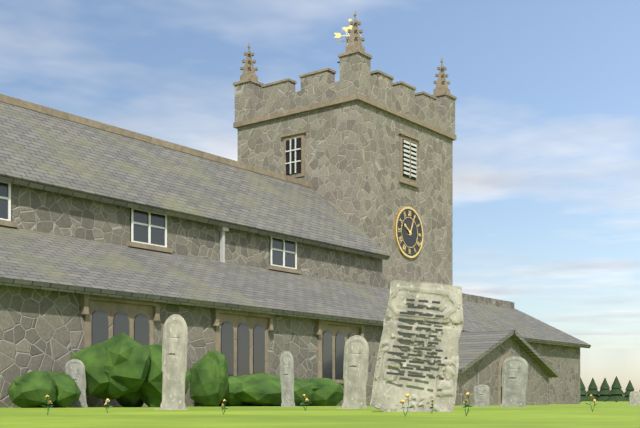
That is 10.04
